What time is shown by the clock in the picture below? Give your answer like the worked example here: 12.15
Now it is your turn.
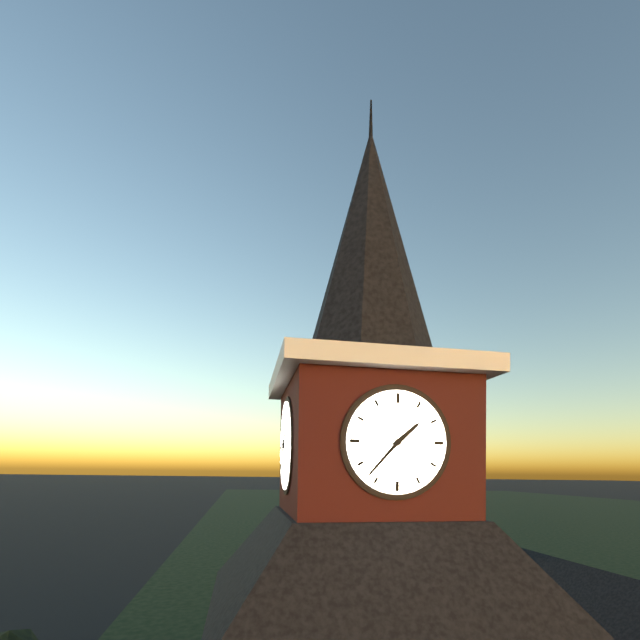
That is 1.37
